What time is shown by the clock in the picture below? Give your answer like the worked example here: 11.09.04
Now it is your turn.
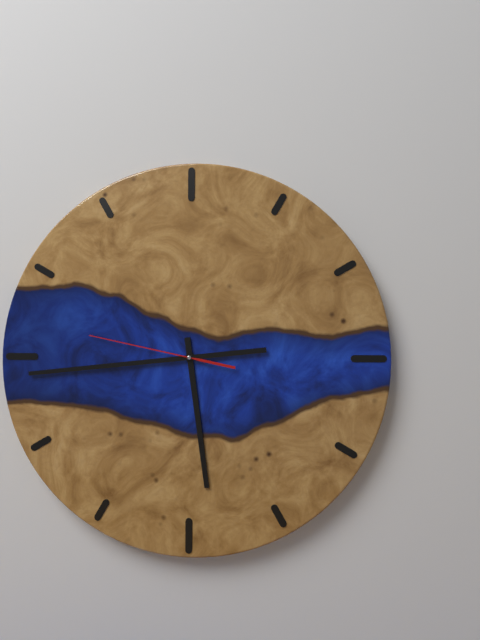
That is 5.44.47
